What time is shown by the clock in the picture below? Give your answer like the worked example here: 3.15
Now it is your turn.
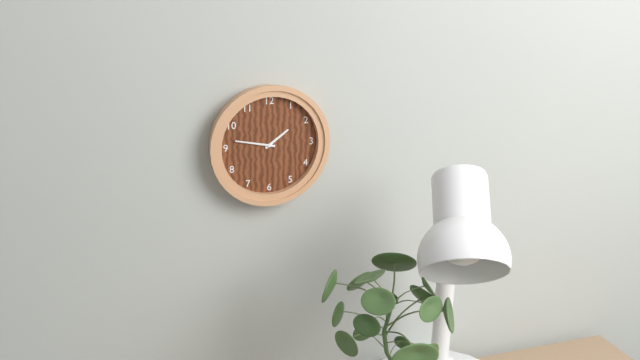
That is 1.47
